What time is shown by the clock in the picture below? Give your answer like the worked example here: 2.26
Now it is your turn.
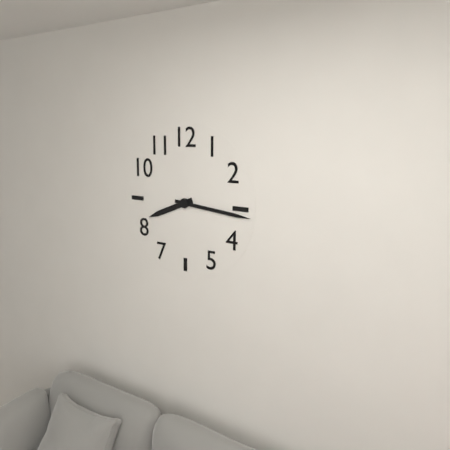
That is 8.16
